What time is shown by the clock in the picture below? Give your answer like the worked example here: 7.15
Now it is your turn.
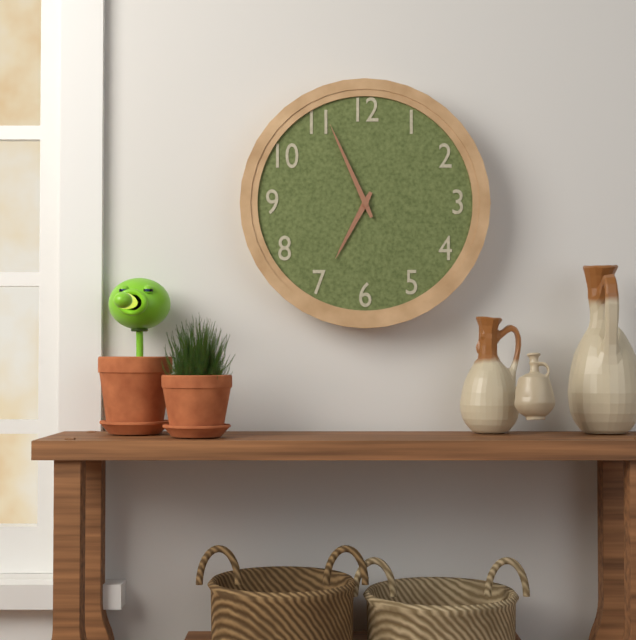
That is 6.56
